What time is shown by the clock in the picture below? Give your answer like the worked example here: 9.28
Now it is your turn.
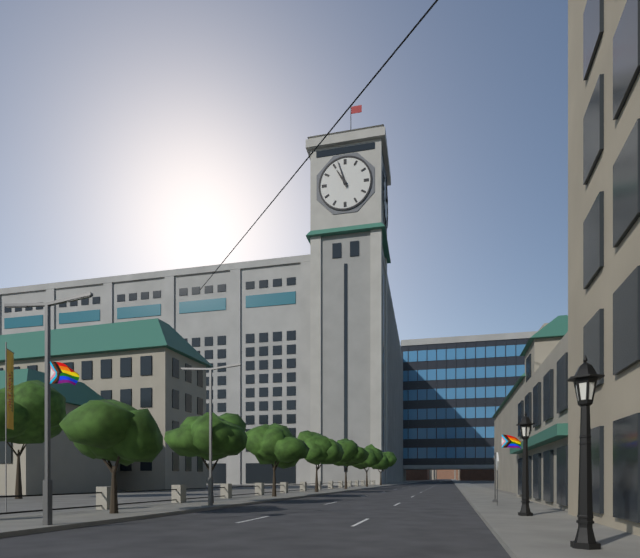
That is 10.57
